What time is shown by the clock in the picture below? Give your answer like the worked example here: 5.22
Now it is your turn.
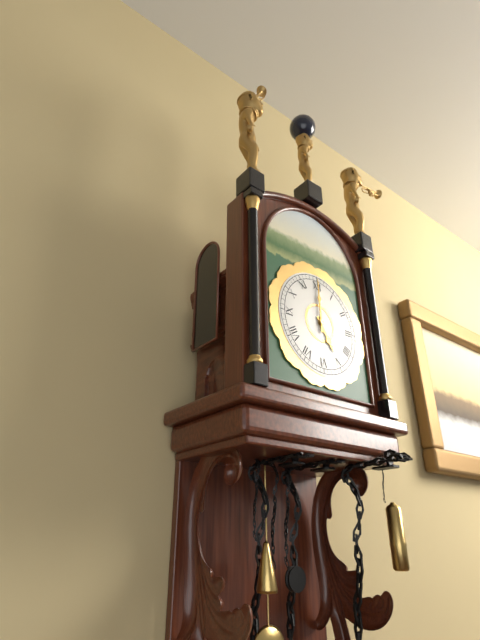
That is 5.00
